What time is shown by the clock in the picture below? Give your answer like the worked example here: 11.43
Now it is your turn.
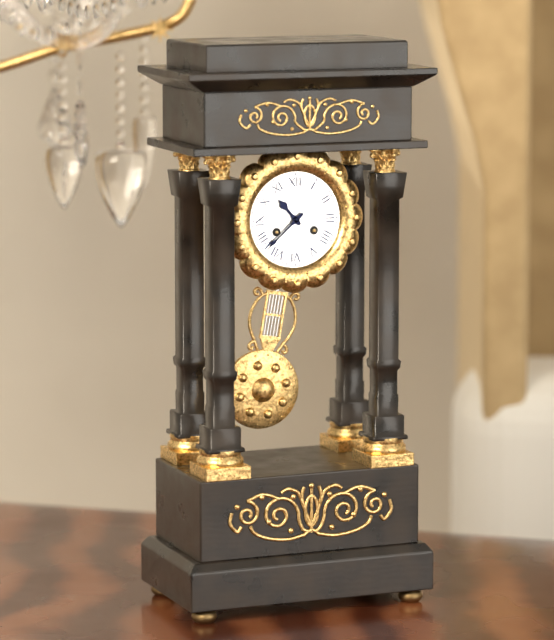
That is 10.38
